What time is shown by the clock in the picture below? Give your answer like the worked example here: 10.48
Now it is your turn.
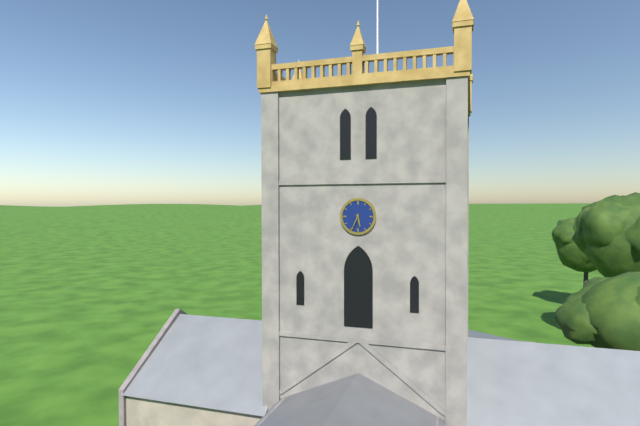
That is 5.34
